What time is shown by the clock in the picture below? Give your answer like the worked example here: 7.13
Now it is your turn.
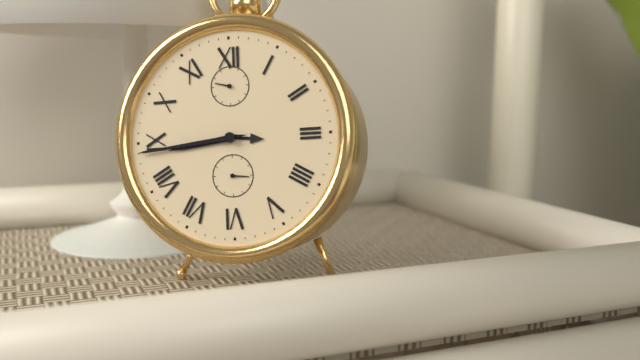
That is 8.44
